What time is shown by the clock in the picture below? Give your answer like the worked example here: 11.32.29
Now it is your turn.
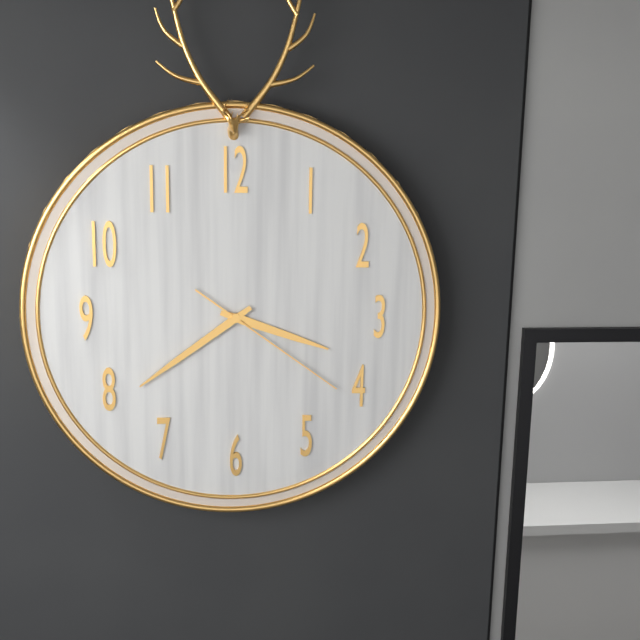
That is 3.39.21
